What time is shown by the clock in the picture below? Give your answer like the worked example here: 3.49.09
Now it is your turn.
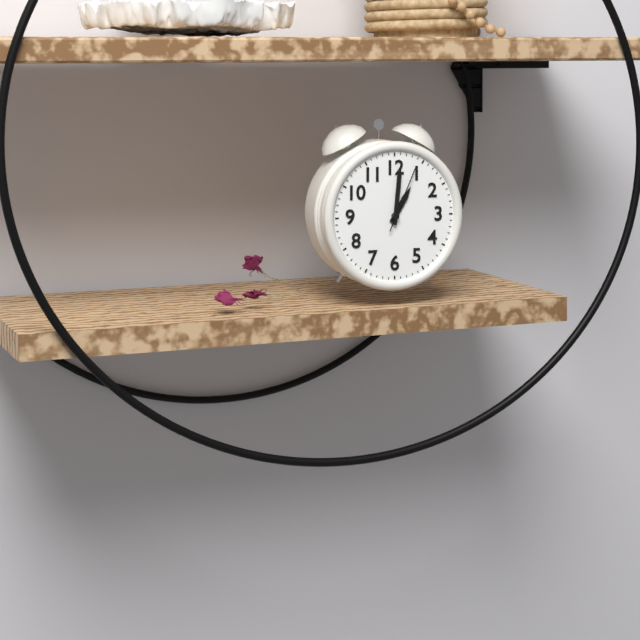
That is 1.01.04
